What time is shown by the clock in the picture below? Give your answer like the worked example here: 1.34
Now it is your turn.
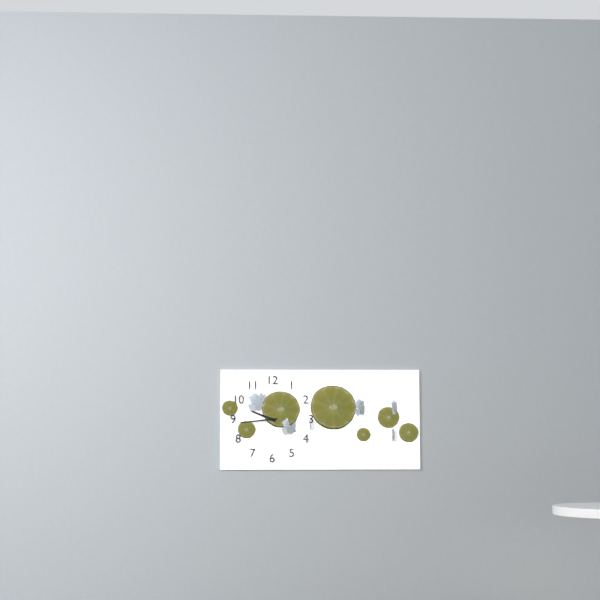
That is 9.44
